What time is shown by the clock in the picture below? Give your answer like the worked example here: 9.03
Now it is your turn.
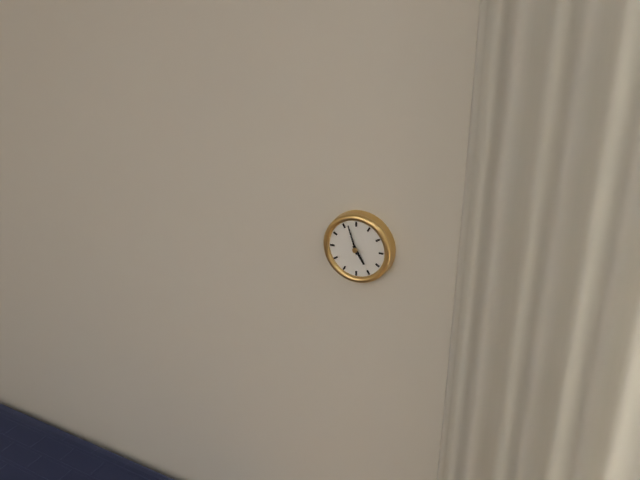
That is 4.57
